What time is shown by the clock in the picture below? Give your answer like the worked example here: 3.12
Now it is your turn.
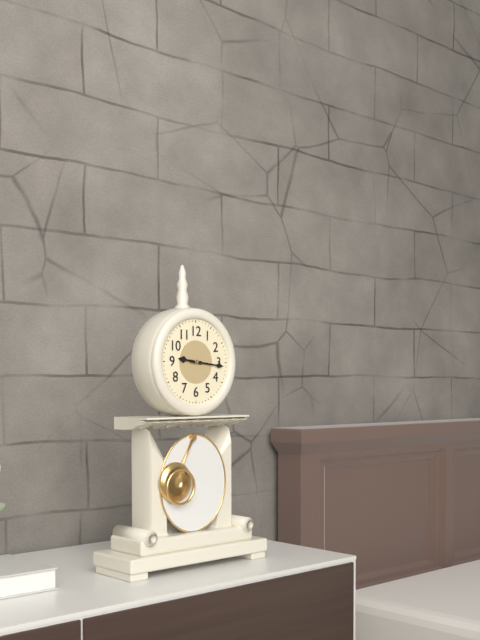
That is 9.16
